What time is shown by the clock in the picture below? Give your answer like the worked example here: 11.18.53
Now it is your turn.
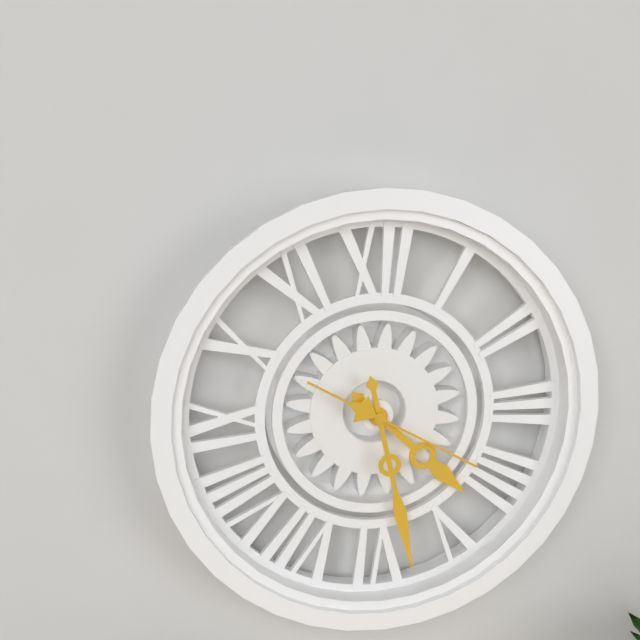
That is 4.28.20
